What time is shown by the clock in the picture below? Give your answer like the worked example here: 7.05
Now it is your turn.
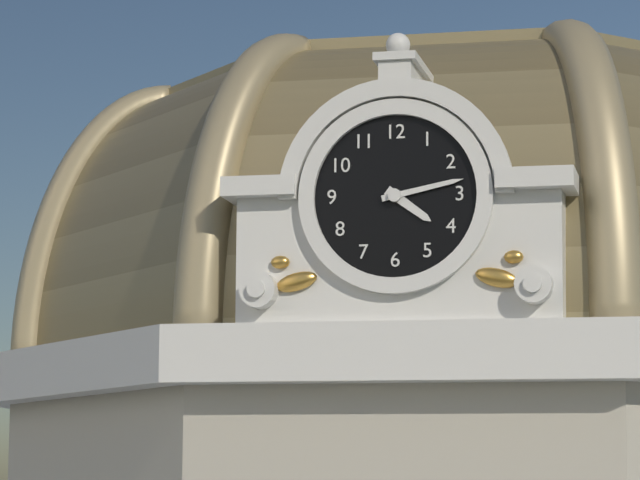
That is 4.13
